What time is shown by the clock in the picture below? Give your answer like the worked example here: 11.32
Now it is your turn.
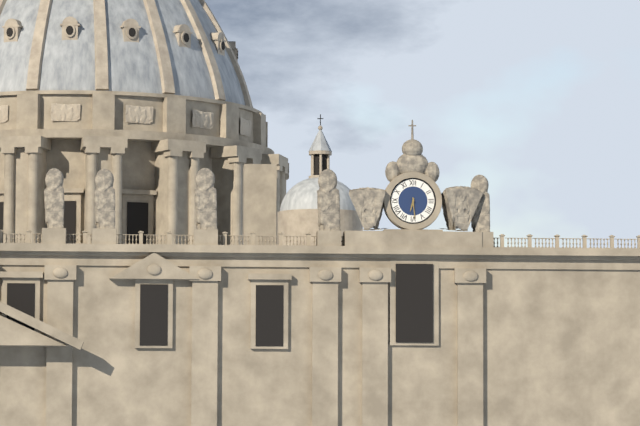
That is 6.29
